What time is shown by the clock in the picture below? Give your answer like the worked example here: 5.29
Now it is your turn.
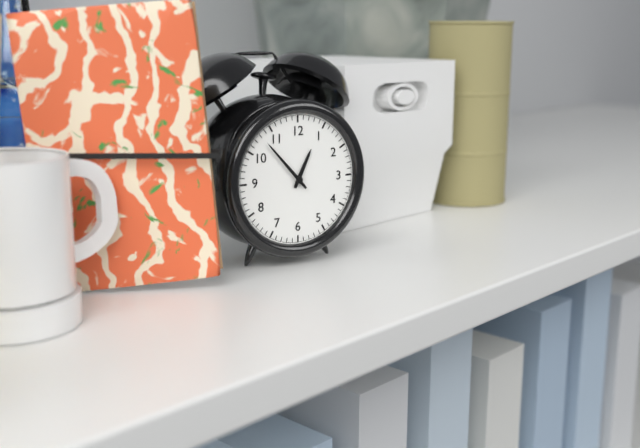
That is 12.53
